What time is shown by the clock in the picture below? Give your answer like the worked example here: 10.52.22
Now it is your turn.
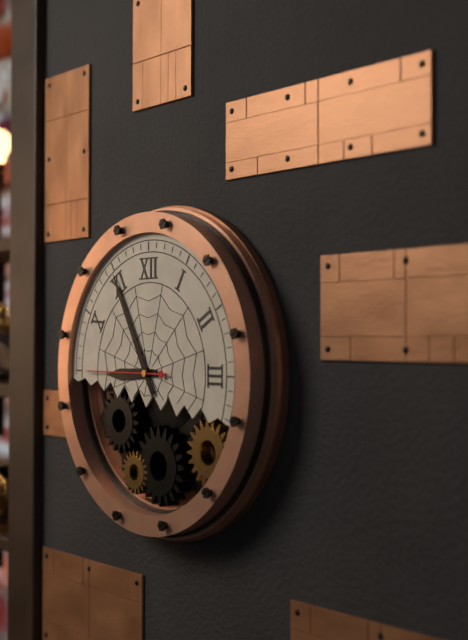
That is 8.55.45
